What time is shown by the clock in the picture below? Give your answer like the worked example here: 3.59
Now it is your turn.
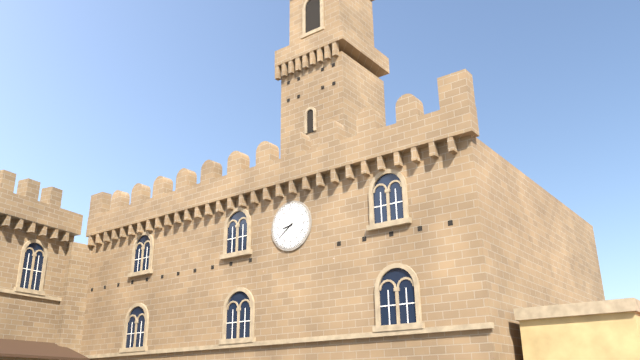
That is 8.39
